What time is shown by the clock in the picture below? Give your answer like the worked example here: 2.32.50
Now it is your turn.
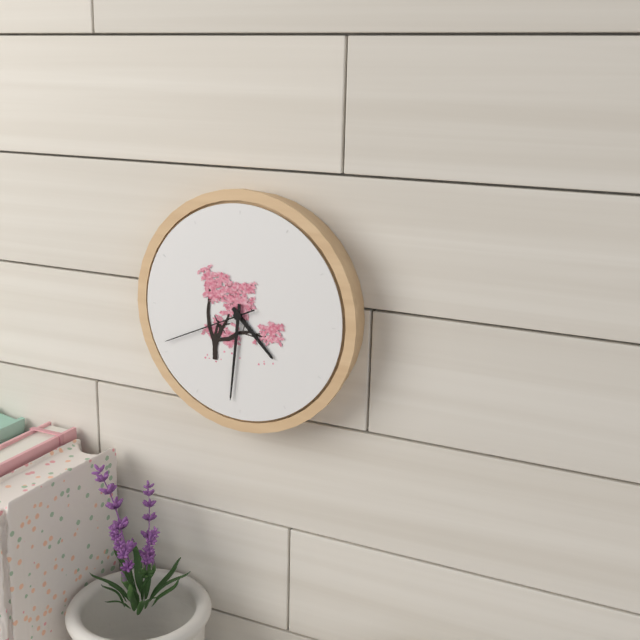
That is 4.31.41
